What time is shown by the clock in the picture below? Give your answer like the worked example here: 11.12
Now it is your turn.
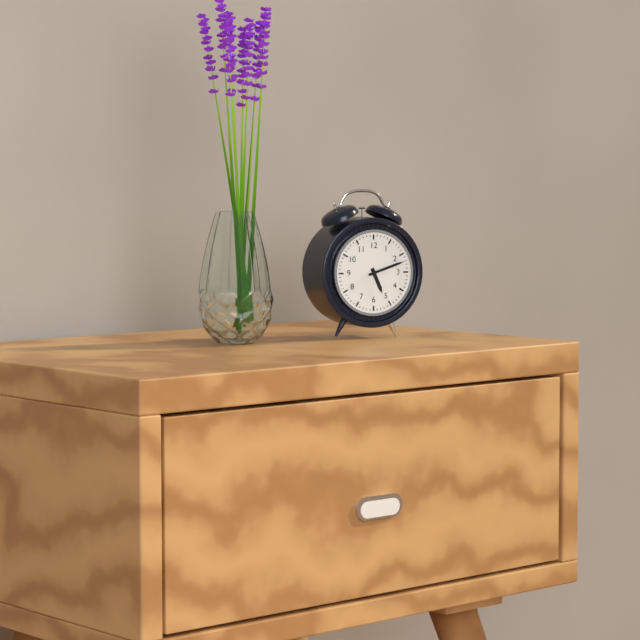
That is 5.12
